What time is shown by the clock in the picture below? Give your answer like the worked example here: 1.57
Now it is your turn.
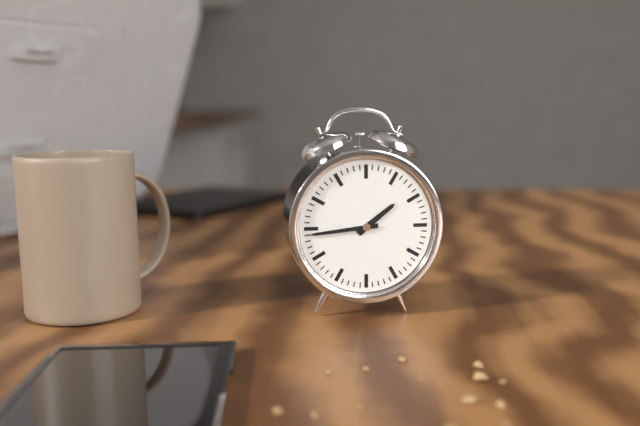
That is 1.44
